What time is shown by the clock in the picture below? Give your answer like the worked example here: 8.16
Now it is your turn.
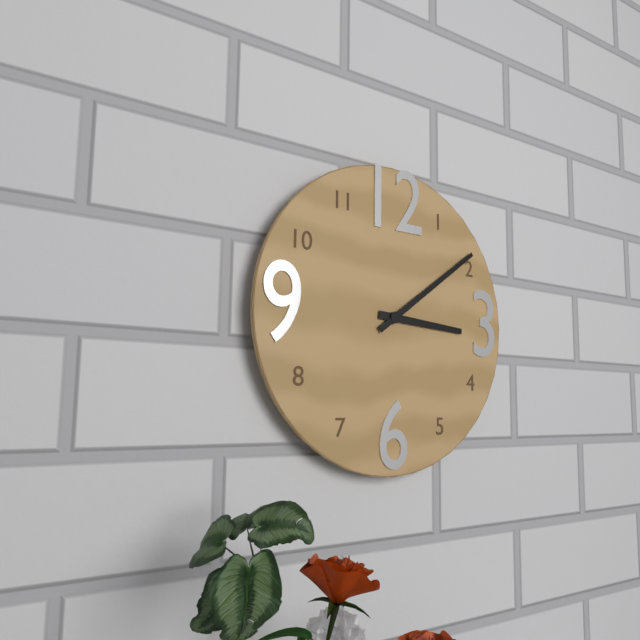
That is 3.09
